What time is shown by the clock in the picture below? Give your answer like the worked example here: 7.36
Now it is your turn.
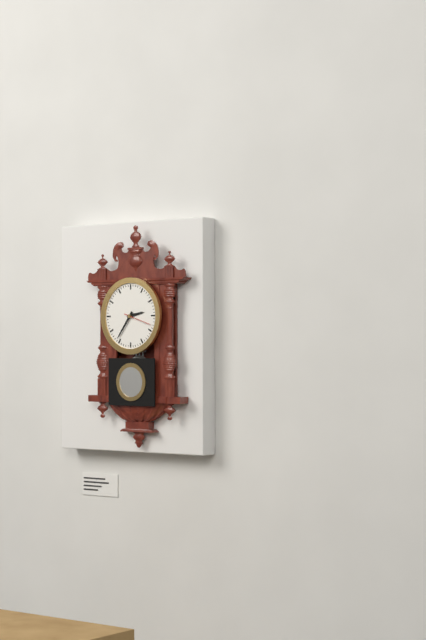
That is 2.36
